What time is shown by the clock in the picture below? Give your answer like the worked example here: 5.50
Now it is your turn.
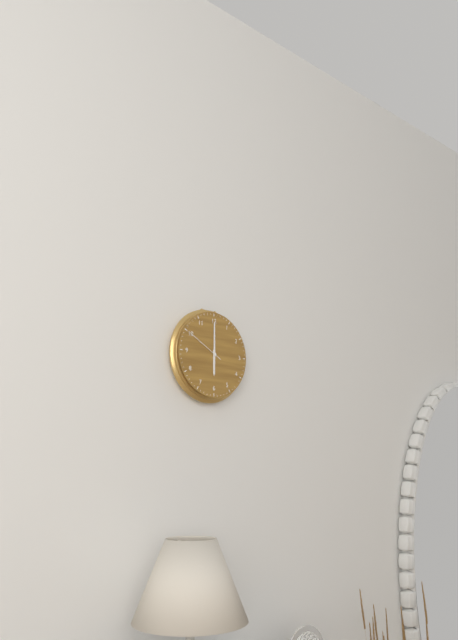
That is 6.00
